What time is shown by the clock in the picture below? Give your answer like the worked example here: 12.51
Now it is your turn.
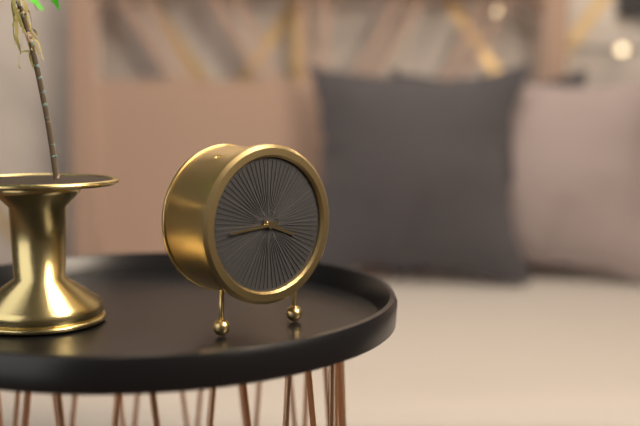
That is 3.44
